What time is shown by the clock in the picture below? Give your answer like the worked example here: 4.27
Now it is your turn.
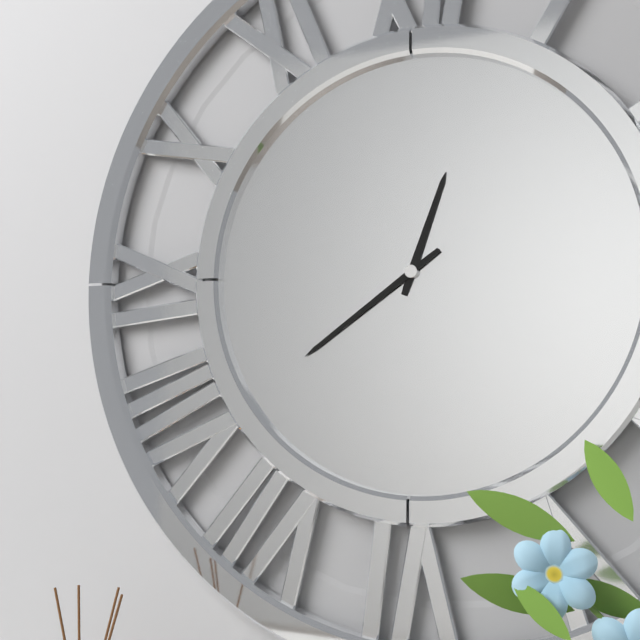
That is 12.39
